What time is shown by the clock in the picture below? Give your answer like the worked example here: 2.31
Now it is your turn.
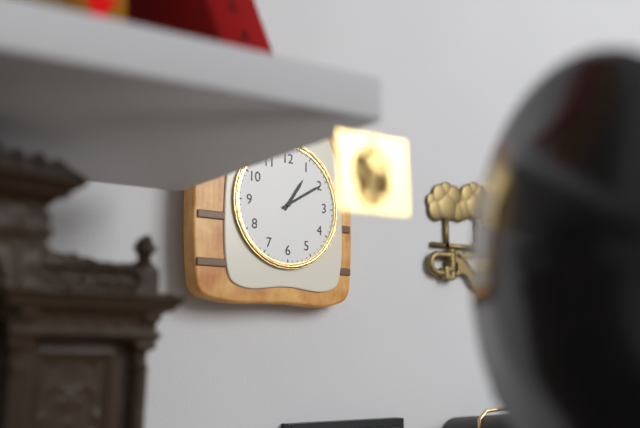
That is 1.10
